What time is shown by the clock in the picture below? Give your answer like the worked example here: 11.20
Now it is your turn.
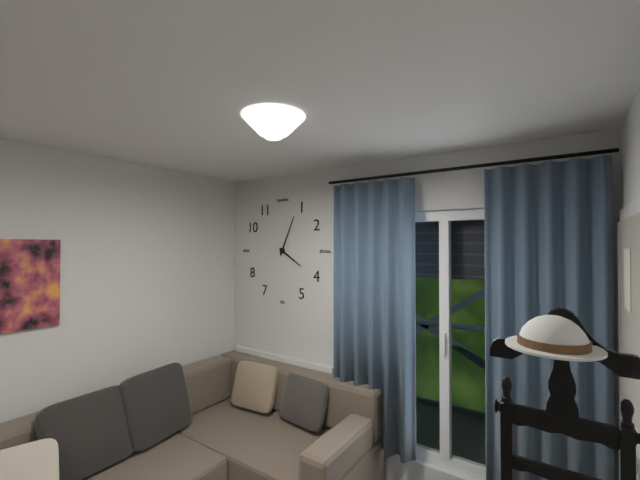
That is 4.04
